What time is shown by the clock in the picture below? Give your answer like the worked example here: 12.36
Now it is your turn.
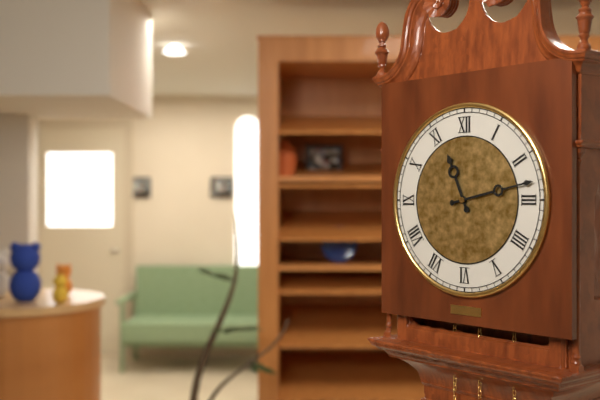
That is 11.13
